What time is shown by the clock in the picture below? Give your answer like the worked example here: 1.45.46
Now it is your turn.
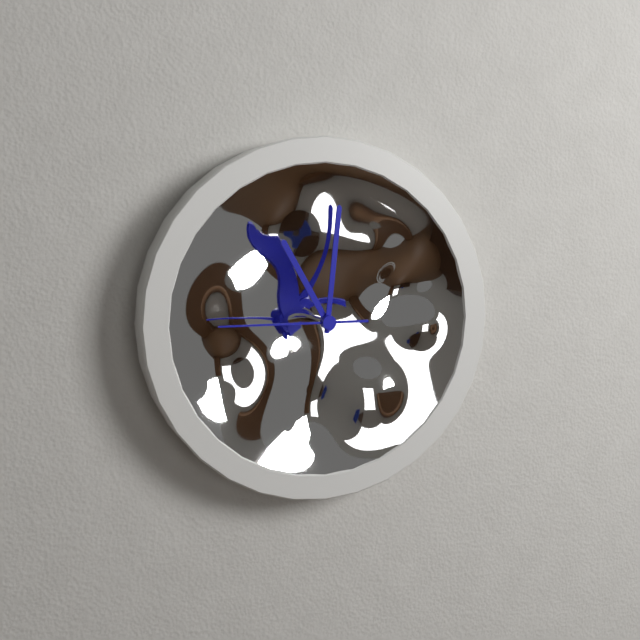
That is 11.01.45
